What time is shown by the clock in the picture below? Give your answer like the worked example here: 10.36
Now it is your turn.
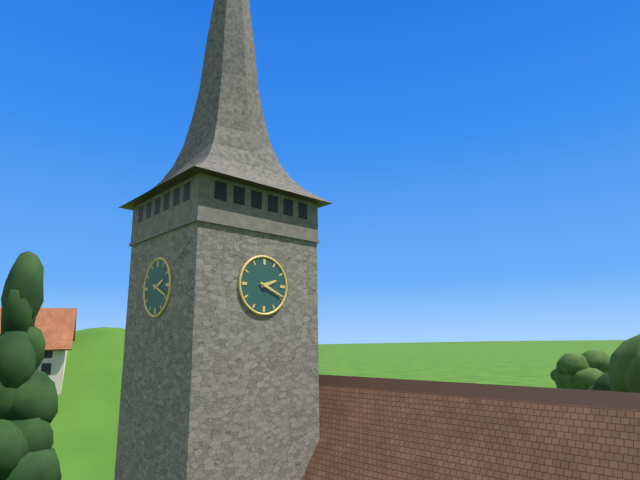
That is 2.19
